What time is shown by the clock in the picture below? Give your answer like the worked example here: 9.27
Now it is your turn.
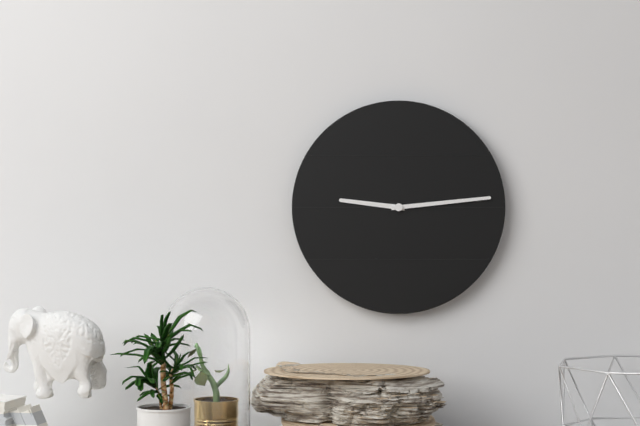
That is 9.14
